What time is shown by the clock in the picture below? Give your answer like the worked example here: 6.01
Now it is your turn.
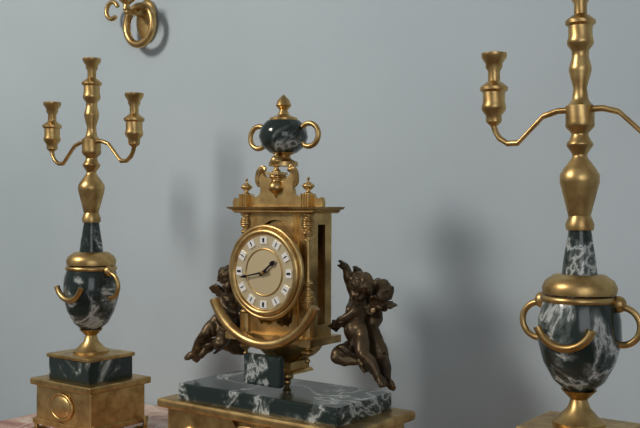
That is 1.43
